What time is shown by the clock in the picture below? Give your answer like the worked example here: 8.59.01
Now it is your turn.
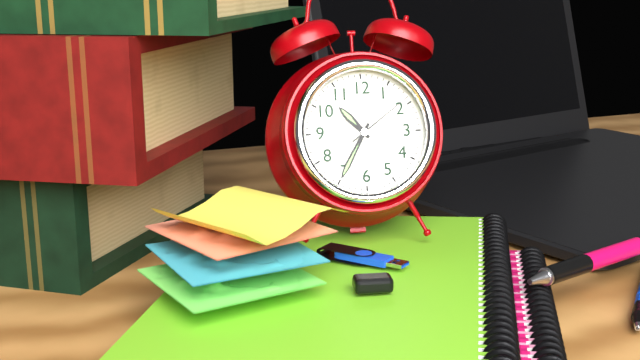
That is 10.35.09
